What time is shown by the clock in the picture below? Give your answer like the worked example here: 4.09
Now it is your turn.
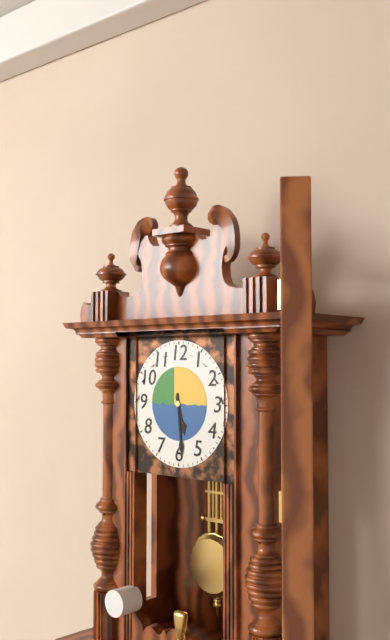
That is 5.29
